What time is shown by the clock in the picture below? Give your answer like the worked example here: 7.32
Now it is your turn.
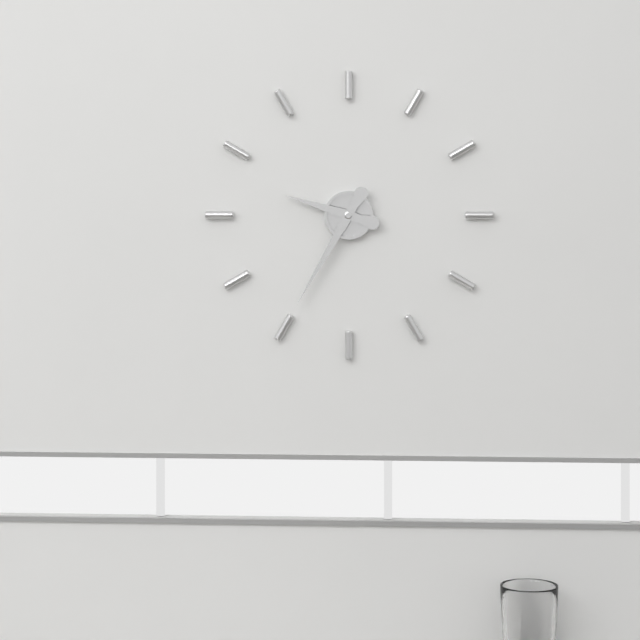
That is 9.35
